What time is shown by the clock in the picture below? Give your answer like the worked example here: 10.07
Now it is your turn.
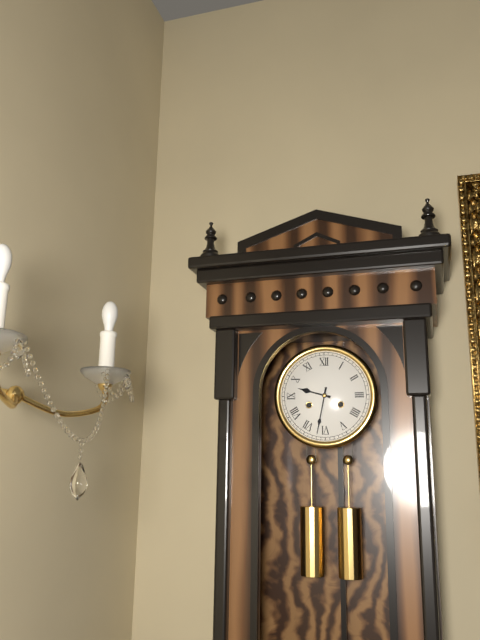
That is 9.32
